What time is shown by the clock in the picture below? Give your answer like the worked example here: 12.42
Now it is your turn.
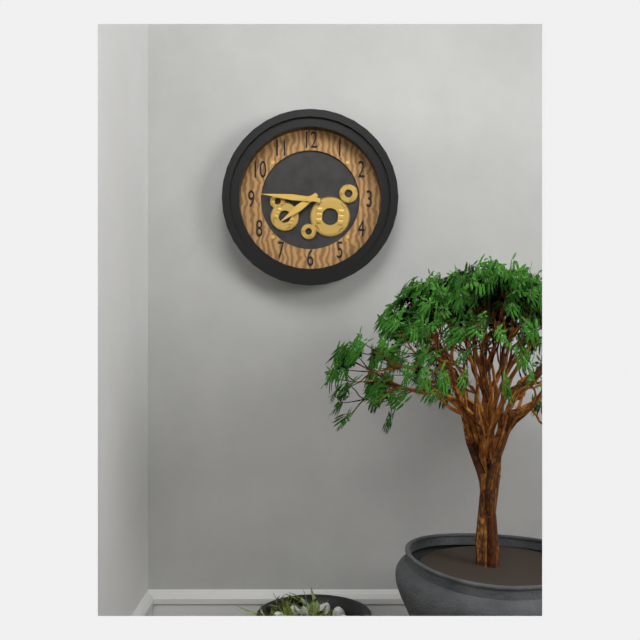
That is 7.46
